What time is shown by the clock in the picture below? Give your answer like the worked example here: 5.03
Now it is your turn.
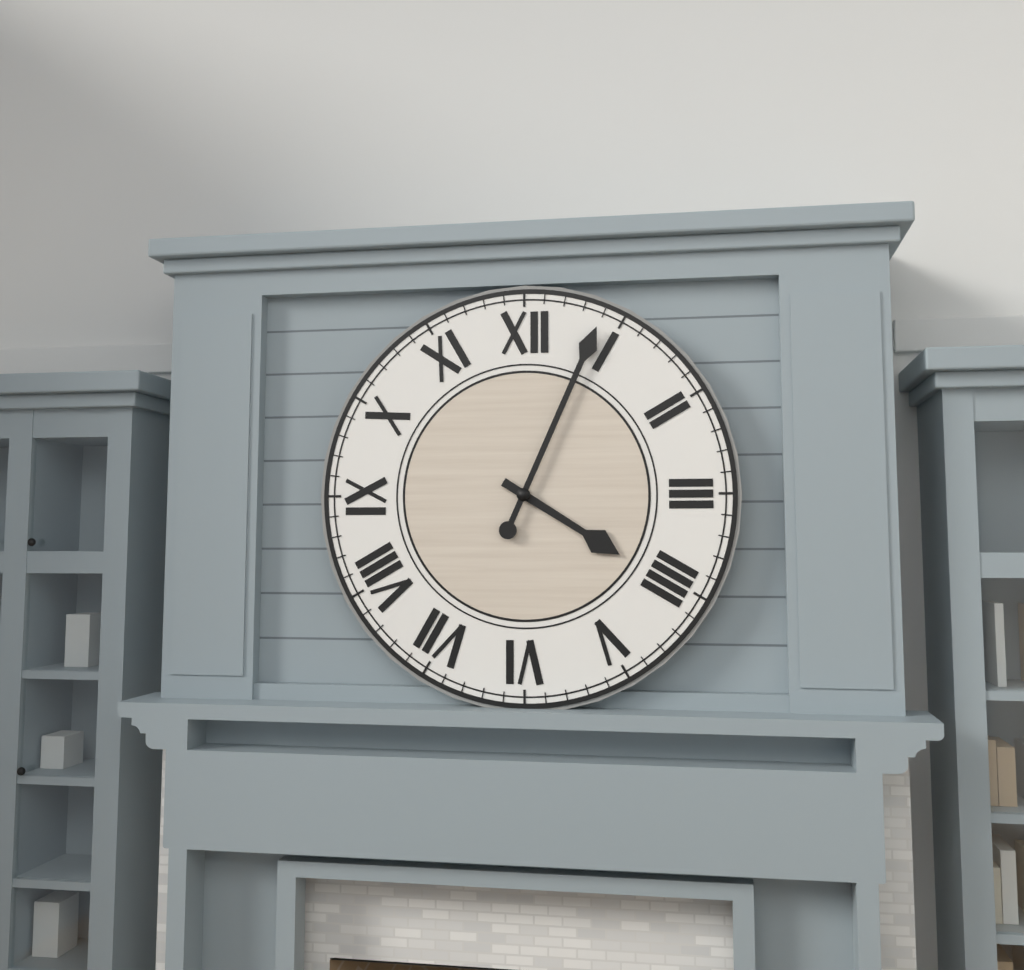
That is 4.04
